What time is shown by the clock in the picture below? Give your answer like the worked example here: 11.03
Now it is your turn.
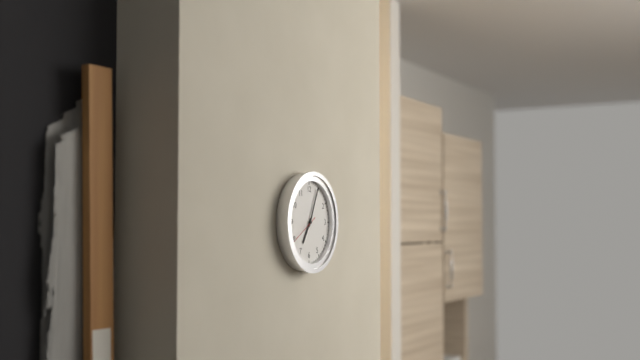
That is 7.04
